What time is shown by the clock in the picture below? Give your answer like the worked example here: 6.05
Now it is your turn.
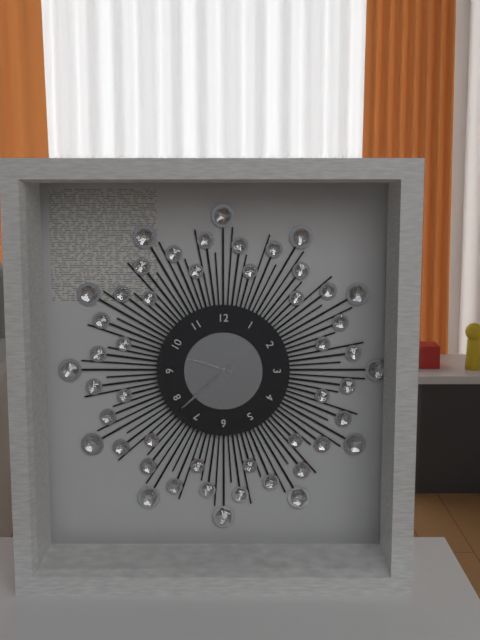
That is 9.38
